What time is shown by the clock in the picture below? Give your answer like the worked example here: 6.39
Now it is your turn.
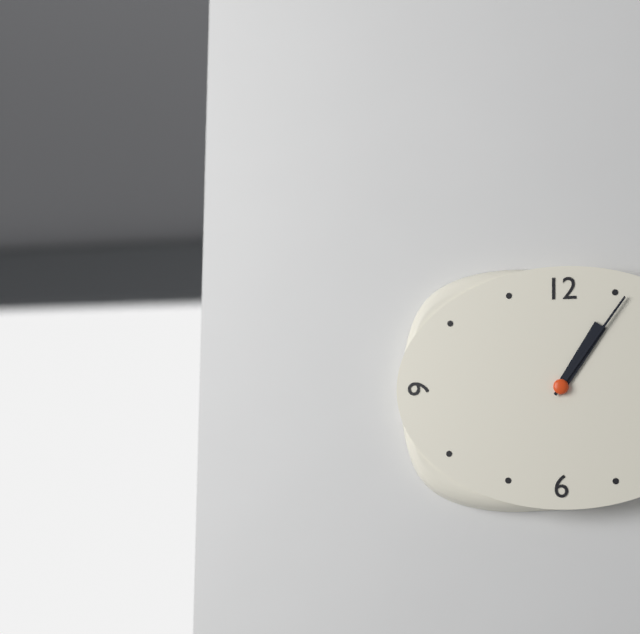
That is 1.06
